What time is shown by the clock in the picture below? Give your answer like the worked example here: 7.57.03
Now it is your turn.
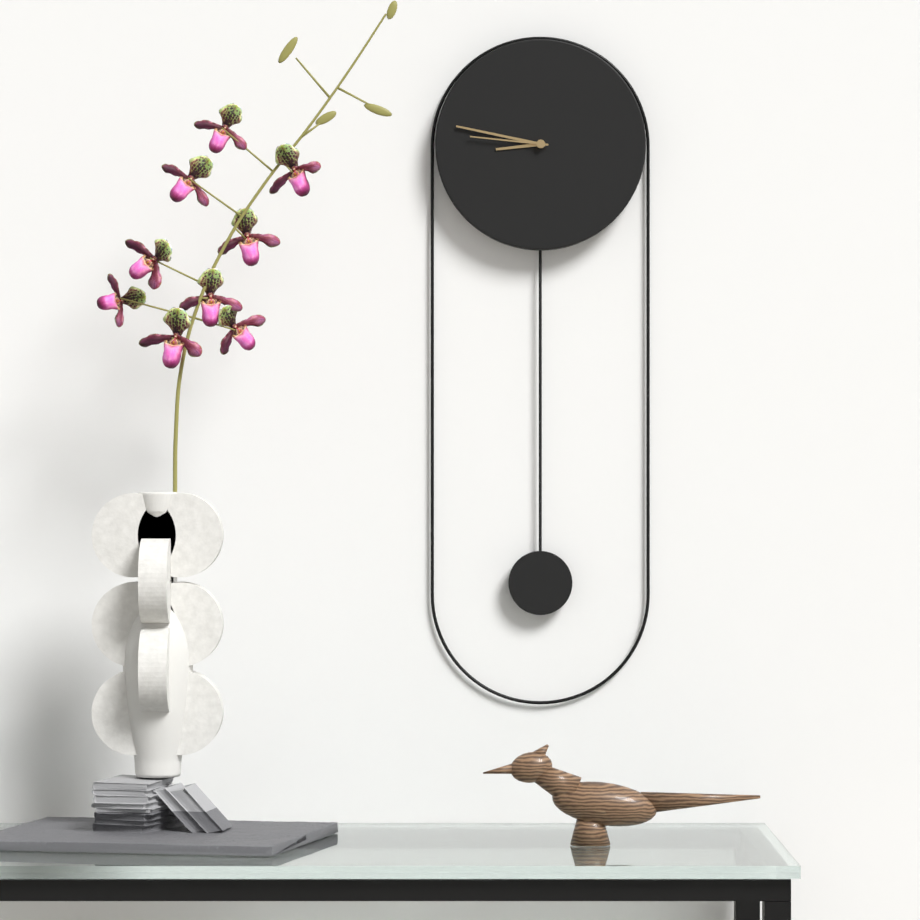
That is 8.47.46
